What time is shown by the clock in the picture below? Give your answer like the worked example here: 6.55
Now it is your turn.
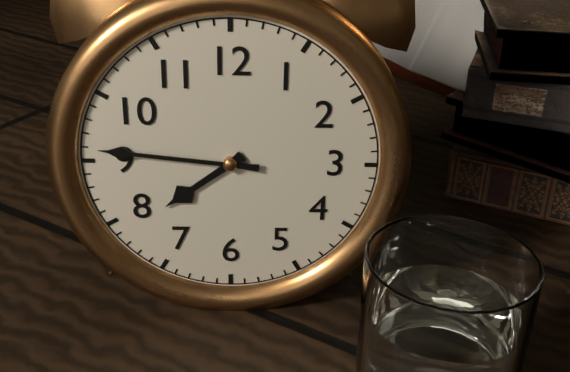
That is 7.46
